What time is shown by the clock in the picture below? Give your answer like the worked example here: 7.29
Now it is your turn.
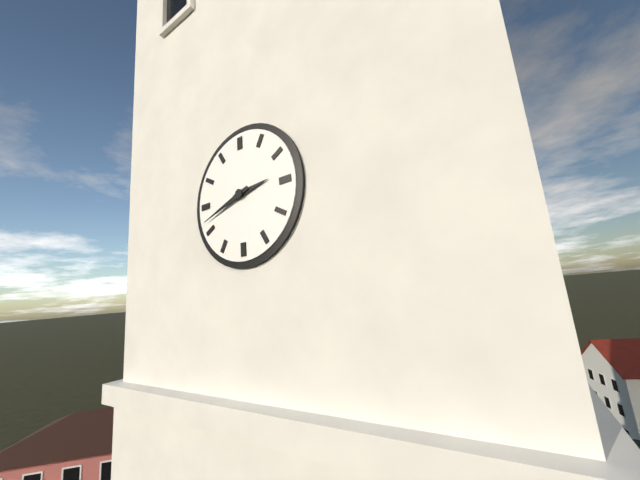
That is 2.42
